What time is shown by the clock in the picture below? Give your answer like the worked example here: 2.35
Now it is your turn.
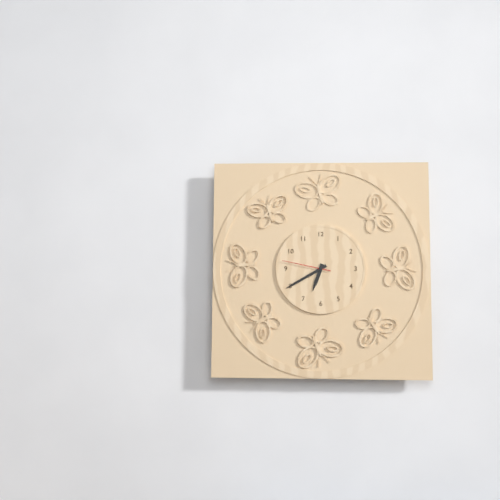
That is 6.40
